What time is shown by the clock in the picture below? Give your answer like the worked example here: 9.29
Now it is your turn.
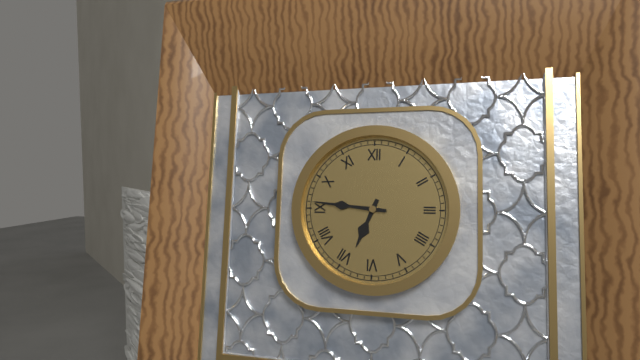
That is 6.46
